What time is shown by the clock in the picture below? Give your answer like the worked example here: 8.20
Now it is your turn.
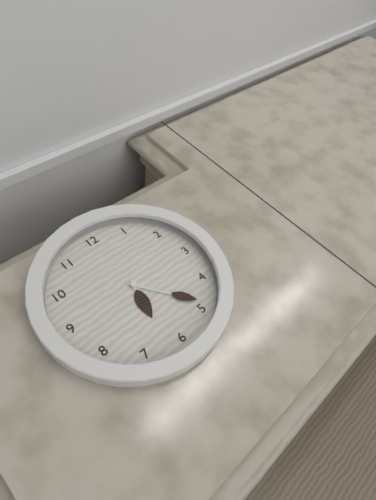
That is 6.24
